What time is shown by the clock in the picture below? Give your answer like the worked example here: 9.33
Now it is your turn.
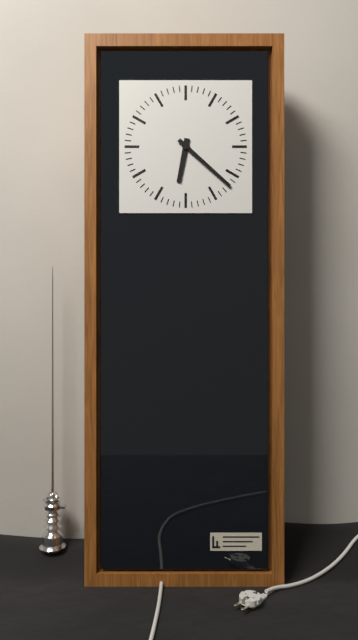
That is 6.22
